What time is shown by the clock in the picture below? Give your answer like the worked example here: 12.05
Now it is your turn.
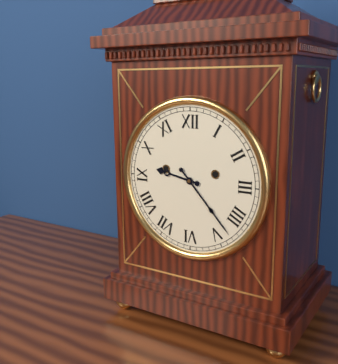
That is 9.23
